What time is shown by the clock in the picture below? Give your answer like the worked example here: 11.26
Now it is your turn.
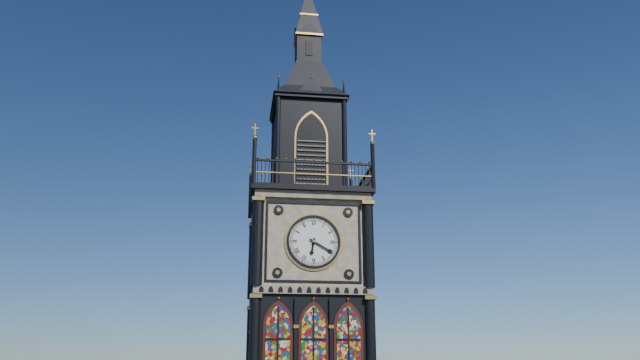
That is 6.20
